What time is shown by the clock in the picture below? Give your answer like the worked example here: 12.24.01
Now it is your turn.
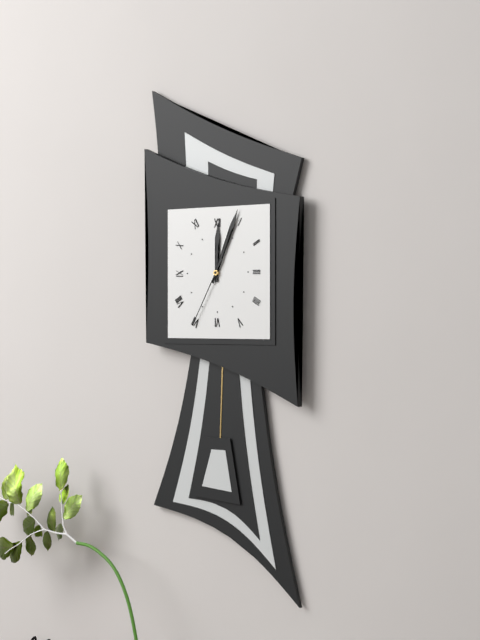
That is 12.04.35
